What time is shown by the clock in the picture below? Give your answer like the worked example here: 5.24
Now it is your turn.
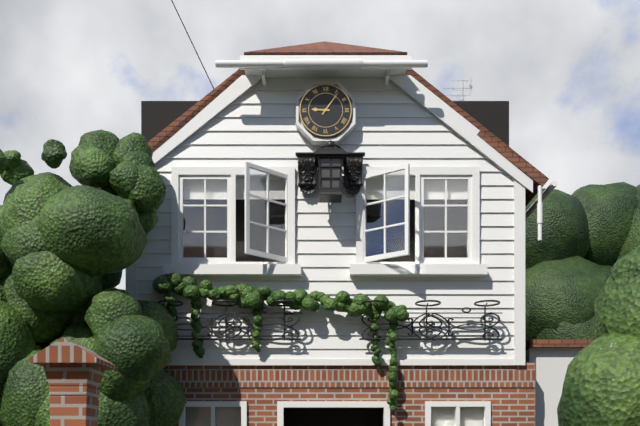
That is 9.06
